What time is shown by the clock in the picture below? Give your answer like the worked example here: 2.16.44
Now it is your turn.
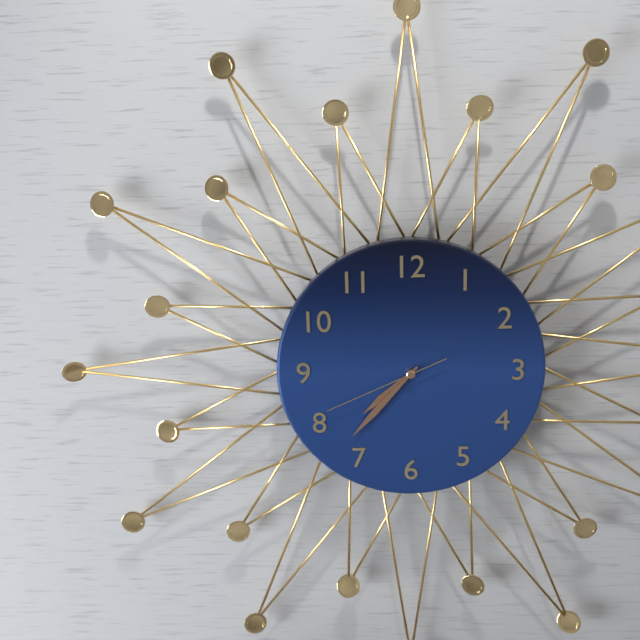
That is 7.37.41
